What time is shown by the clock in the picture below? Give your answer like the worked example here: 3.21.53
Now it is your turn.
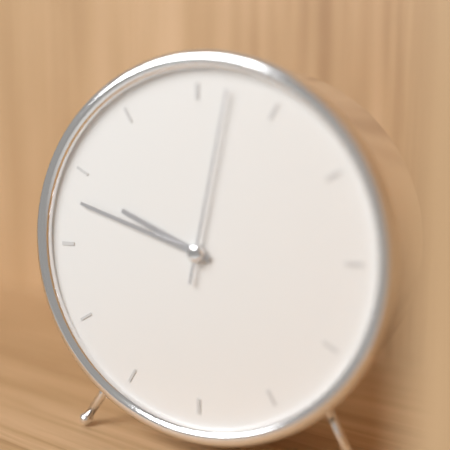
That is 9.48.02
